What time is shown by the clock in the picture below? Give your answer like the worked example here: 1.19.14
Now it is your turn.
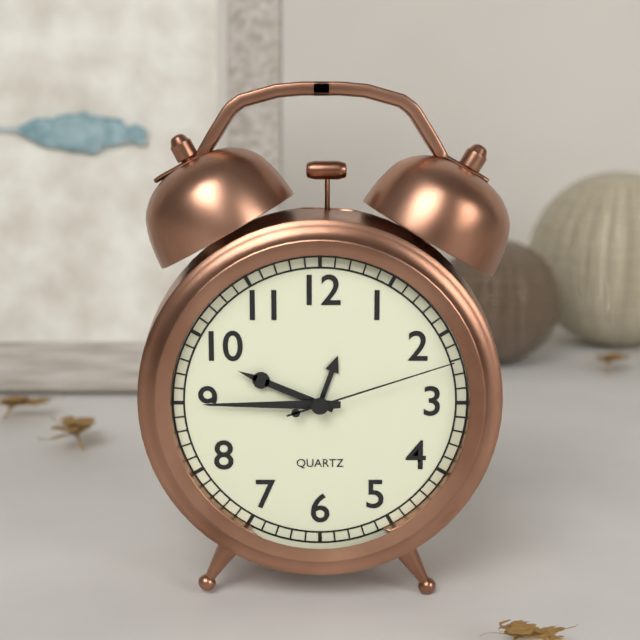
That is 9.45.12
